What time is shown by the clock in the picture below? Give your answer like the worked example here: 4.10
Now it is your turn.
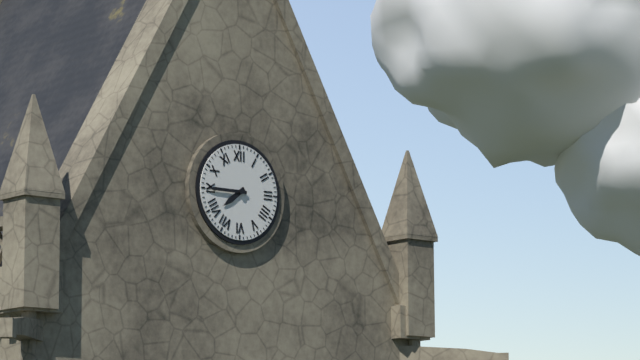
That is 7.45
